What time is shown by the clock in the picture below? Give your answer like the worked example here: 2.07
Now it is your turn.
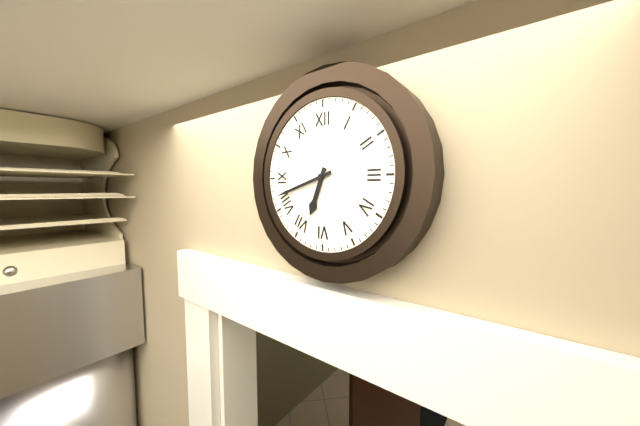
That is 6.42
